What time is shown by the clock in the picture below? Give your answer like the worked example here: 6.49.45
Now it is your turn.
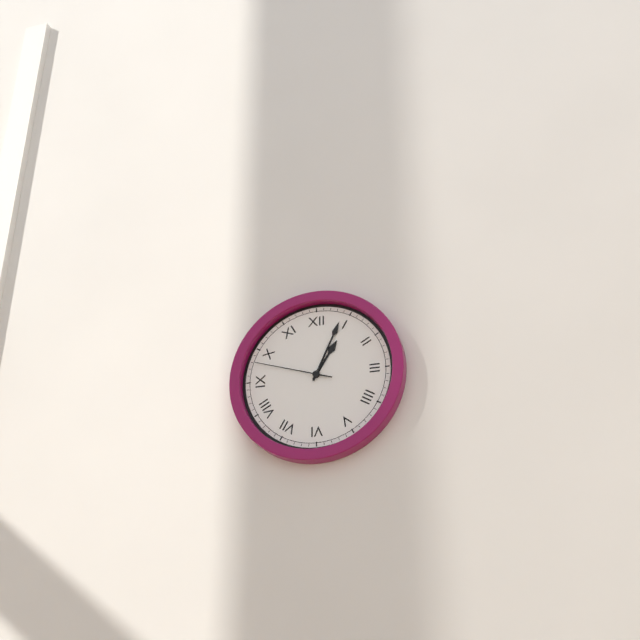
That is 1.04.48
